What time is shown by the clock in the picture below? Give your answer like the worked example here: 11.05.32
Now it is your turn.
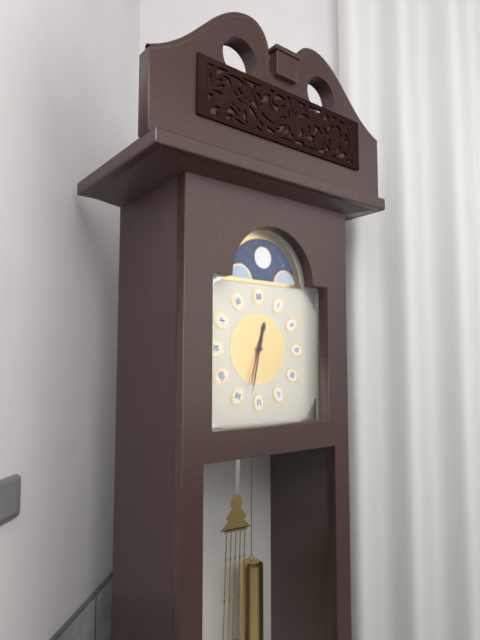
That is 12.32.34
